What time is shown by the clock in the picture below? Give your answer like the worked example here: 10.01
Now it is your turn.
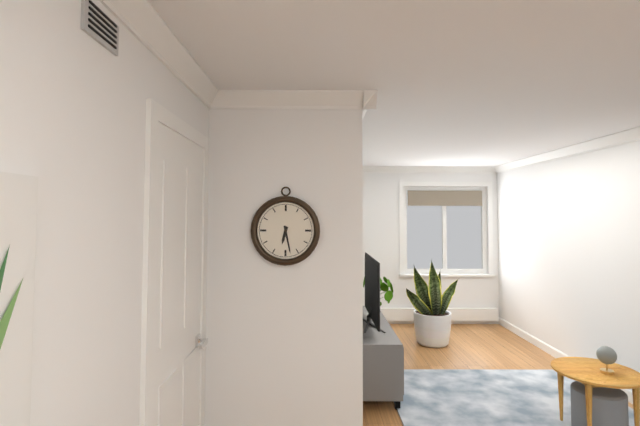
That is 6.28
